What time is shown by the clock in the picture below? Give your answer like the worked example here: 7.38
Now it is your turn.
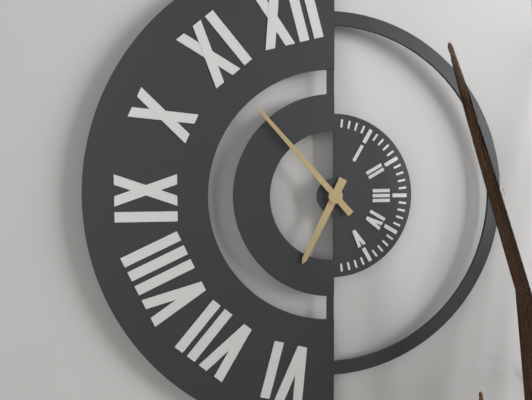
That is 6.53
